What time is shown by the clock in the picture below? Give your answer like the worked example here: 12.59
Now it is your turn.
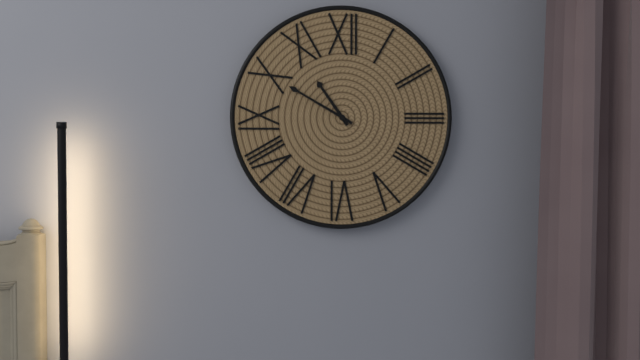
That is 10.50
